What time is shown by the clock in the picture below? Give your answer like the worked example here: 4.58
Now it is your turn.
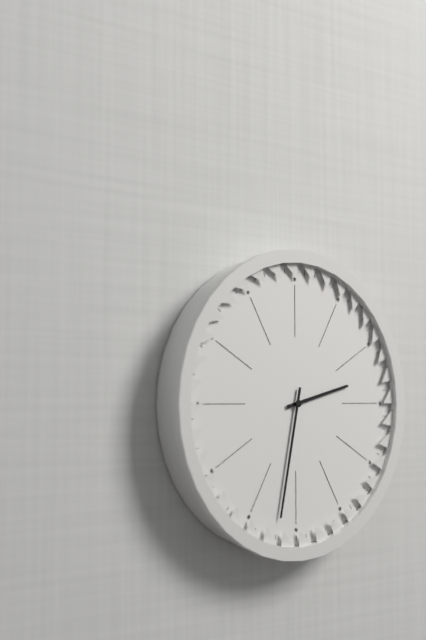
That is 2.32
